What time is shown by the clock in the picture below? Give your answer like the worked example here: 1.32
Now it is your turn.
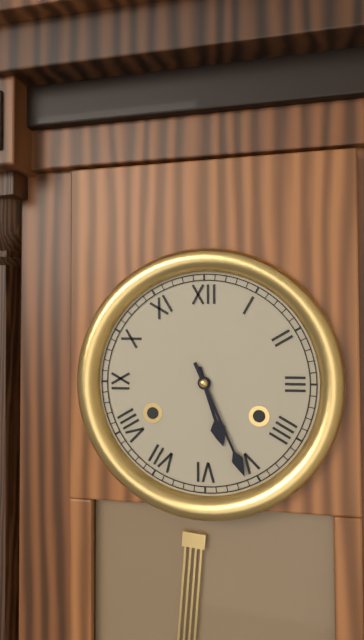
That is 5.26
